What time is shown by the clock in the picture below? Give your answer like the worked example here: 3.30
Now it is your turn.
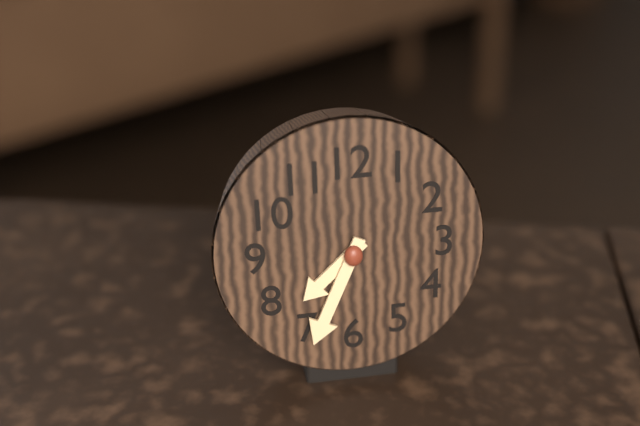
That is 7.34
